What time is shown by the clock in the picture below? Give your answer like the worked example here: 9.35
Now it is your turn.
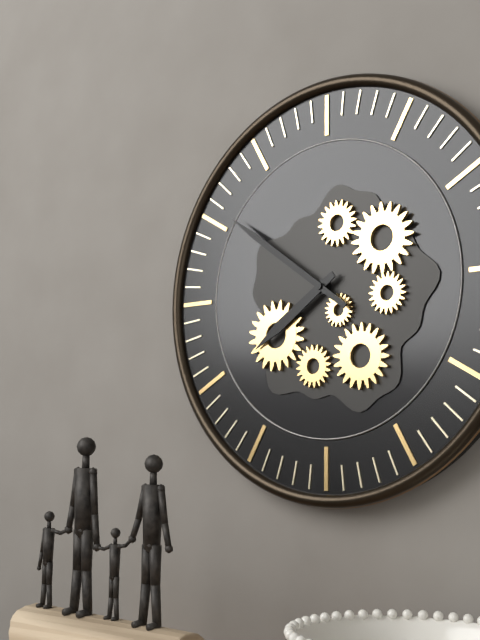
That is 7.51
